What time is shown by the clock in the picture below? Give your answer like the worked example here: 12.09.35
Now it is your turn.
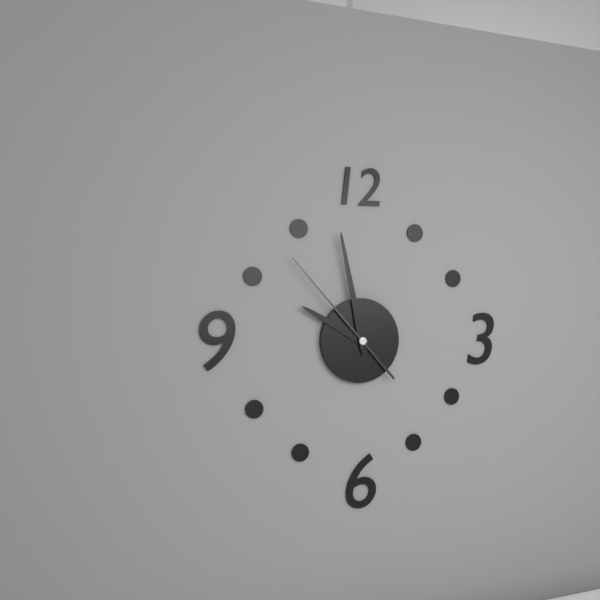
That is 9.58.53
